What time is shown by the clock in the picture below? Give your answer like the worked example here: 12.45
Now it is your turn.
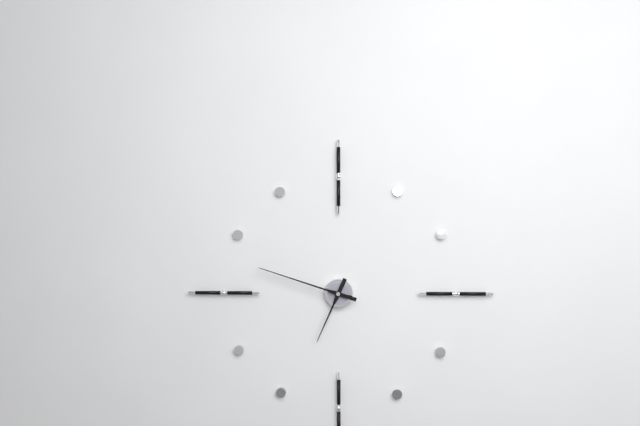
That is 6.48
